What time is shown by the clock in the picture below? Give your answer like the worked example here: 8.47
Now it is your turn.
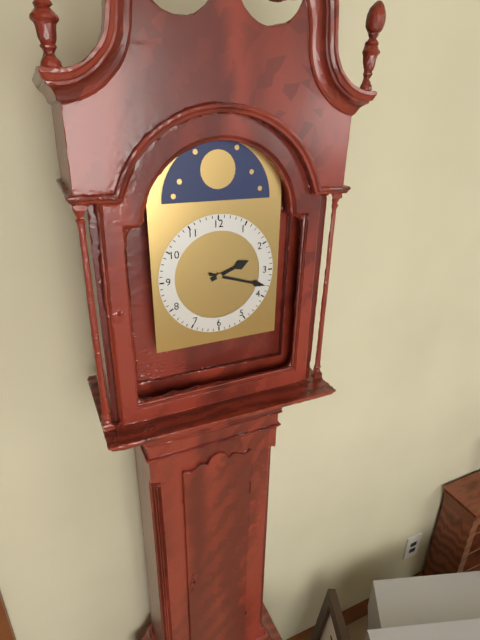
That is 2.18
